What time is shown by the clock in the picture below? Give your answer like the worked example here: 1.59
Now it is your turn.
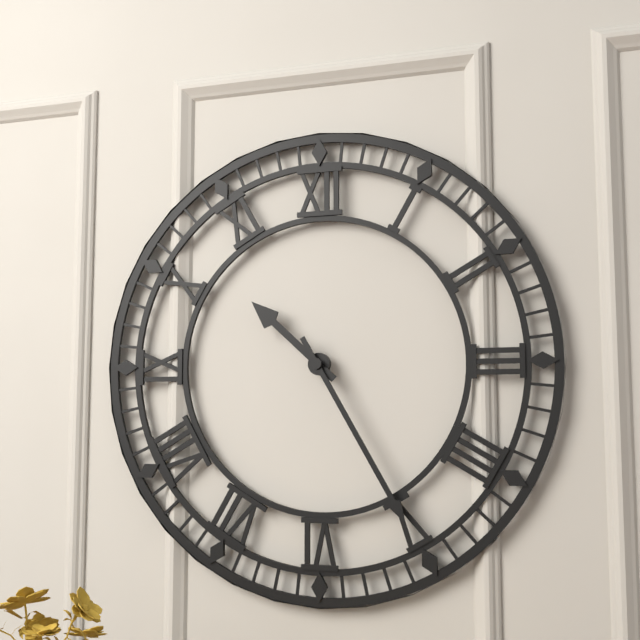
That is 10.25
